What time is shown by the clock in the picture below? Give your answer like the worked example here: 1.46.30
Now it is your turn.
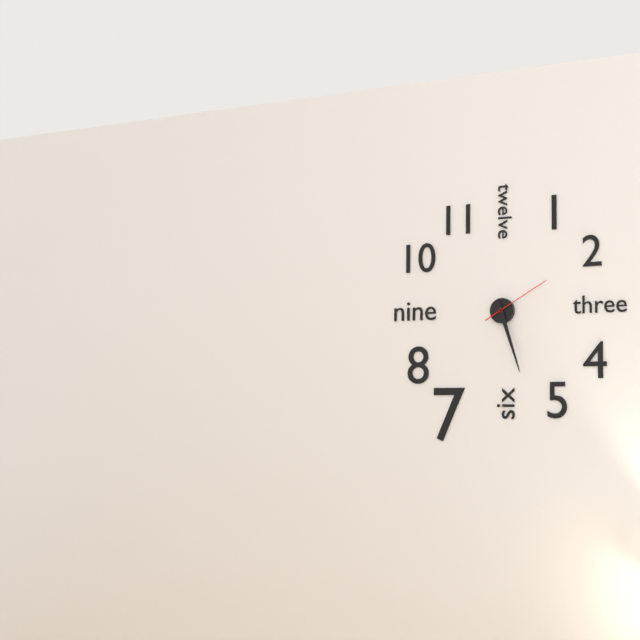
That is 5.27.10
